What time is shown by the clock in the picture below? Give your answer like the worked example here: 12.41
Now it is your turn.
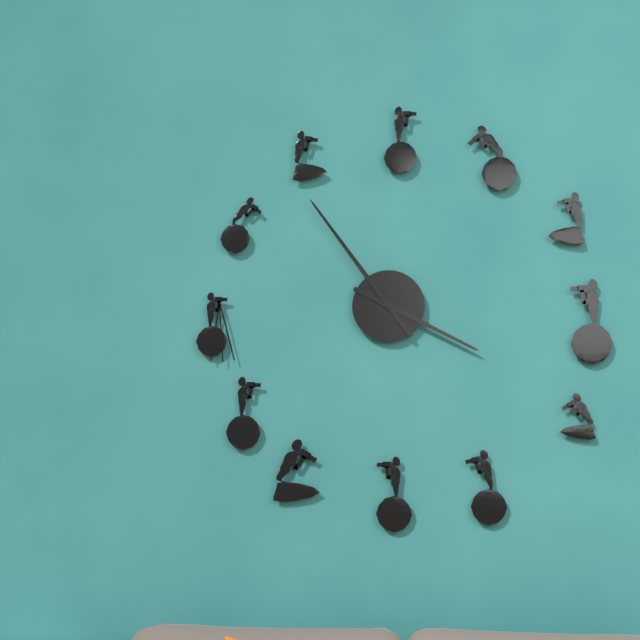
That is 3.54
